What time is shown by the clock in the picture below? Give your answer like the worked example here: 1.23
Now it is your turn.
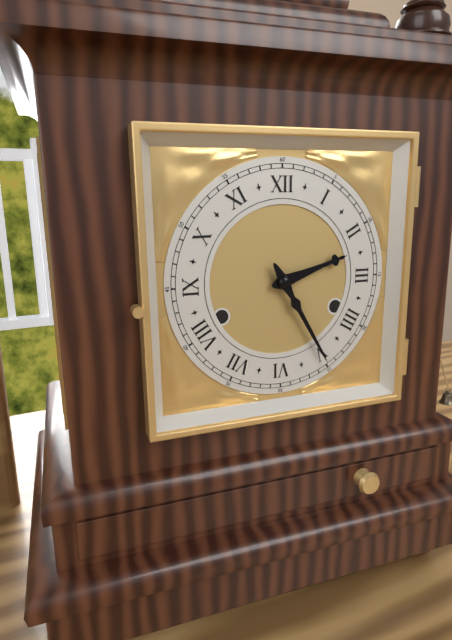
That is 2.25
